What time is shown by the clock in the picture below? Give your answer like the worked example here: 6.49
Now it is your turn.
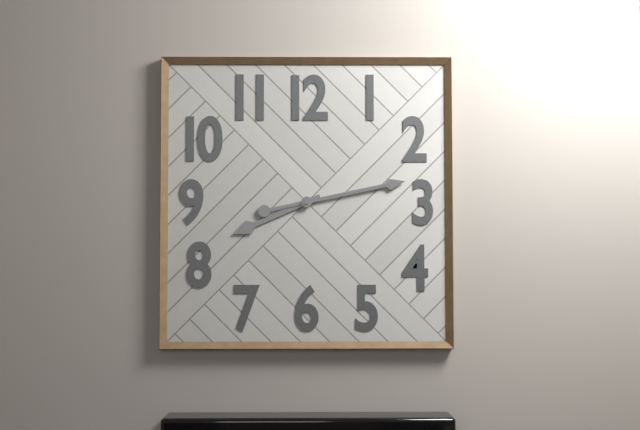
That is 8.13
